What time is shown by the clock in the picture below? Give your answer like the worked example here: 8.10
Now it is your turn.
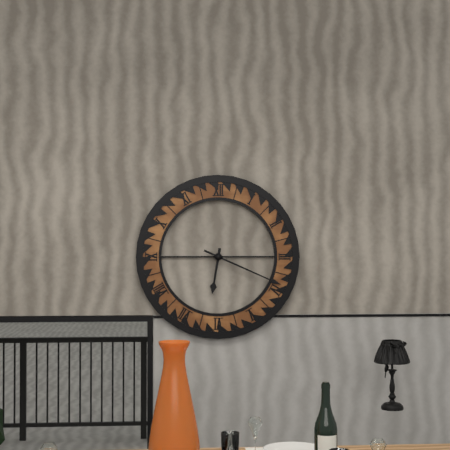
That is 6.19
